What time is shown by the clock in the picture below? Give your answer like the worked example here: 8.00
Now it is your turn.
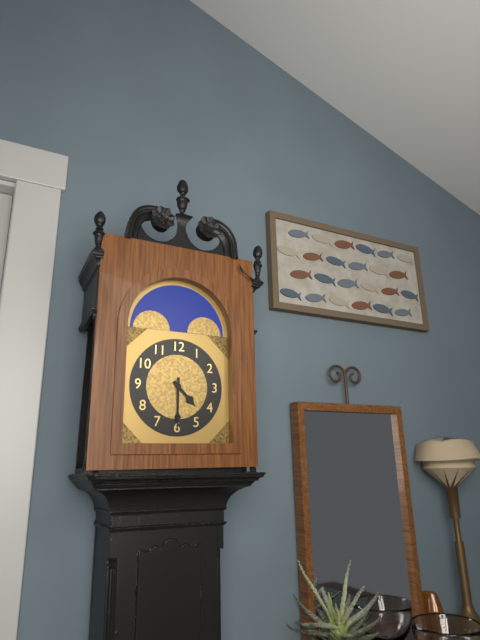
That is 4.30
